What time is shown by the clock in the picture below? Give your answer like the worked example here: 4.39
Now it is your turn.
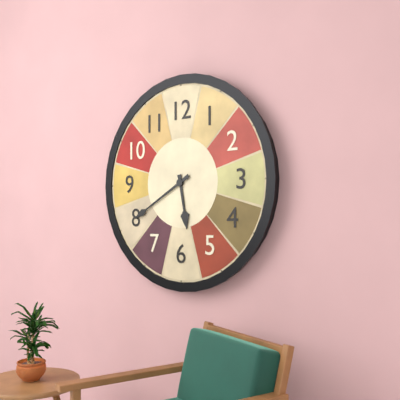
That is 5.40
